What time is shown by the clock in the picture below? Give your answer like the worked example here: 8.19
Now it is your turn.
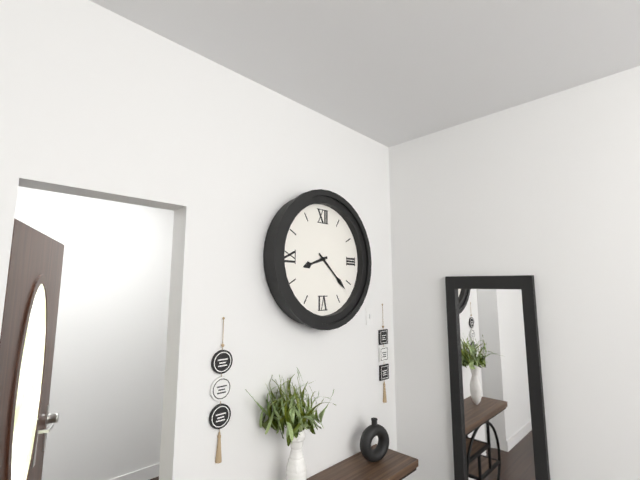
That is 8.22
